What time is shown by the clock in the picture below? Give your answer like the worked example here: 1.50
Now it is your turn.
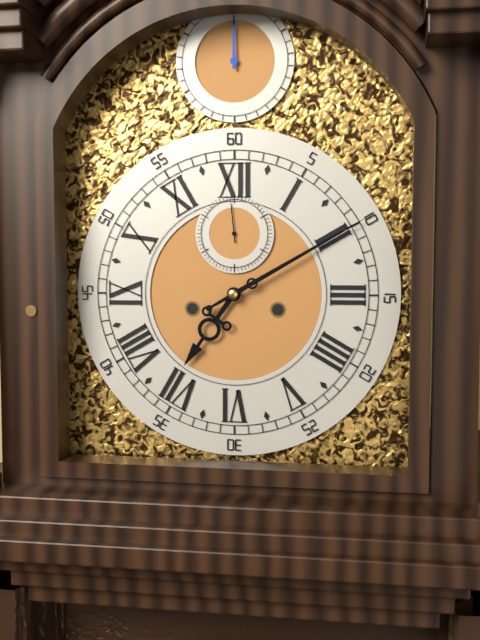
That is 7.10
